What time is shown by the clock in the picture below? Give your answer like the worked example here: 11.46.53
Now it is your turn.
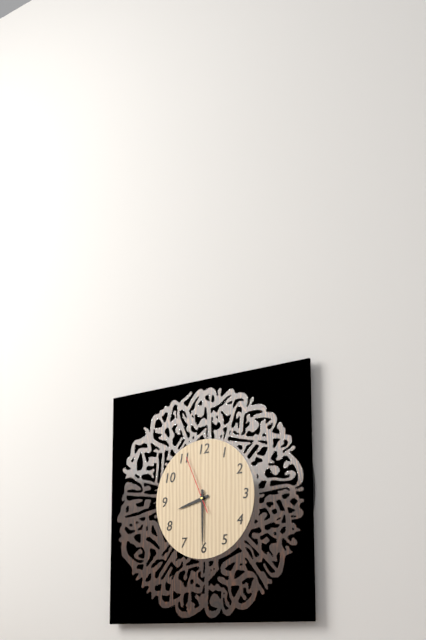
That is 8.30.56
